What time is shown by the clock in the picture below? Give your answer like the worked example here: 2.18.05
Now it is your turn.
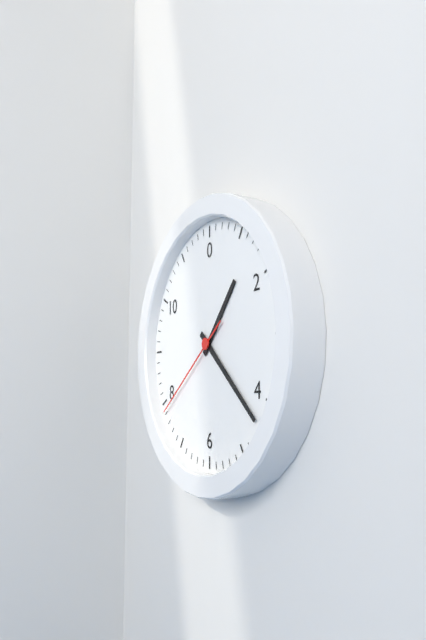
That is 1.22.39
